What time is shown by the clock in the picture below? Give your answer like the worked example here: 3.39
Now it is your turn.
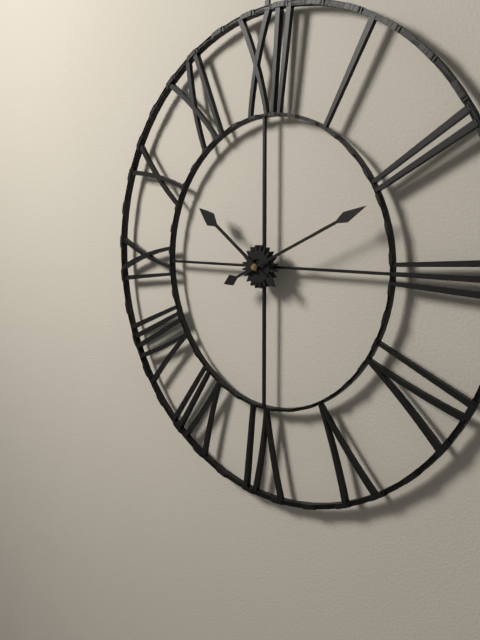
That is 10.11
